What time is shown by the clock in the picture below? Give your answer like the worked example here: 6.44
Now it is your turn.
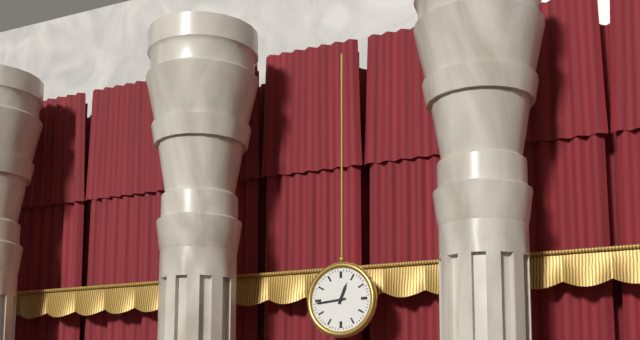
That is 12.44
